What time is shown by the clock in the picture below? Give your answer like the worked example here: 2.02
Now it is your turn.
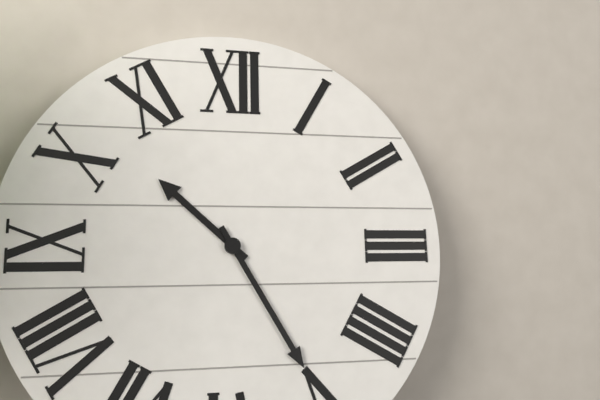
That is 10.25
